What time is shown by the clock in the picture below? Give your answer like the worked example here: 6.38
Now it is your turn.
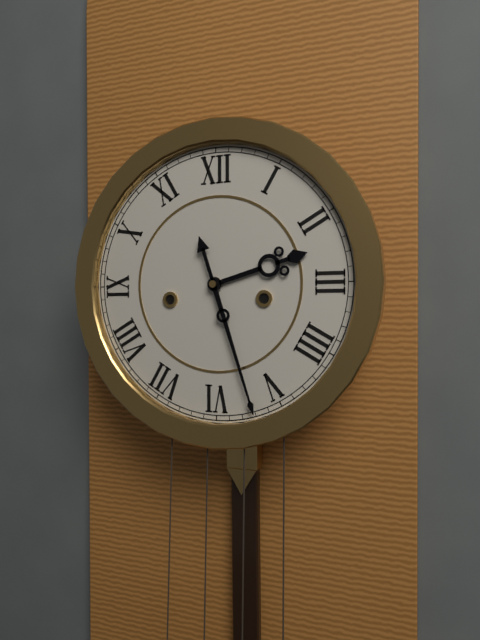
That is 2.27
